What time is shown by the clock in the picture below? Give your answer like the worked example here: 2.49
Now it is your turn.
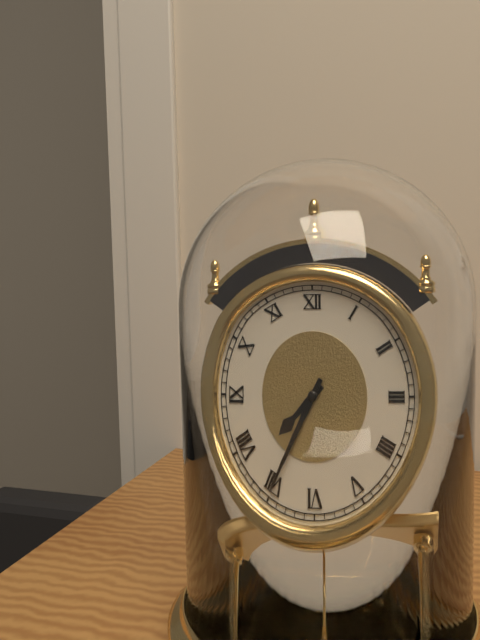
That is 7.35
